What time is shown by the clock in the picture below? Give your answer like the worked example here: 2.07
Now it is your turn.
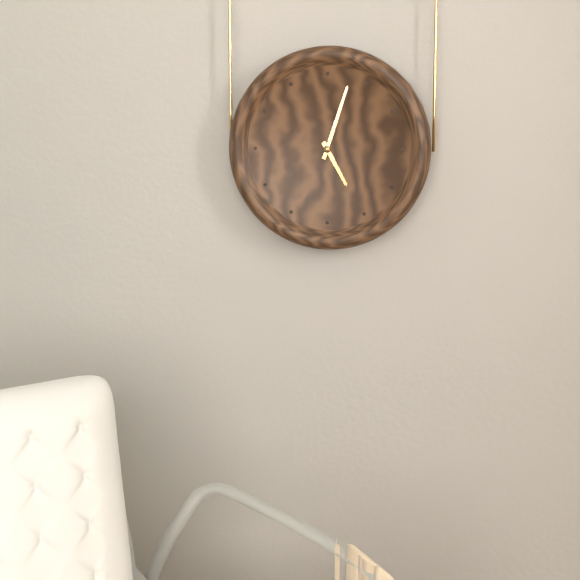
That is 5.03
